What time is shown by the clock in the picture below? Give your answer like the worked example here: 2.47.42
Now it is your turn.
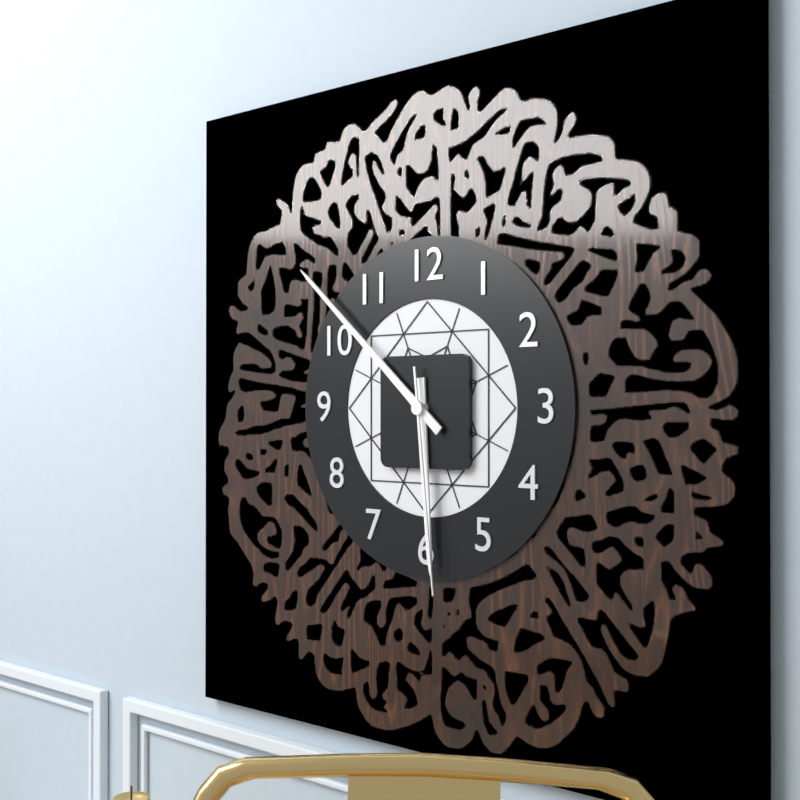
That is 5.52.29
